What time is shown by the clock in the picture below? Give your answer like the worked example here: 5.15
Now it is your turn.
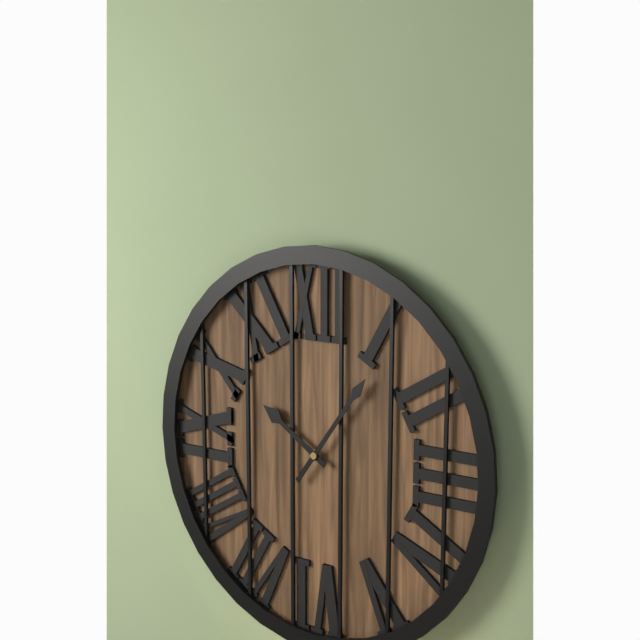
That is 10.06
